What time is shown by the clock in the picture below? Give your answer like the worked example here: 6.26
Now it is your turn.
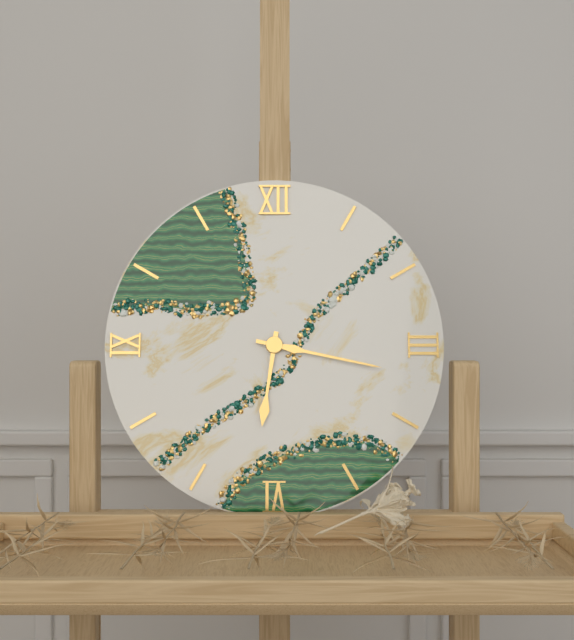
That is 6.17
